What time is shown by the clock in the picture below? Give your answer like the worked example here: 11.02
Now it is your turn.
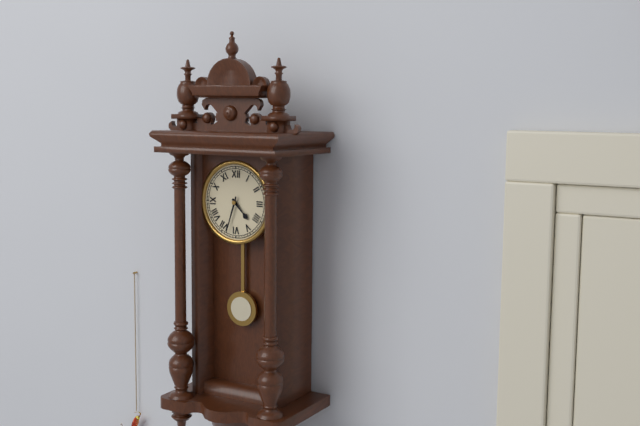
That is 4.33
